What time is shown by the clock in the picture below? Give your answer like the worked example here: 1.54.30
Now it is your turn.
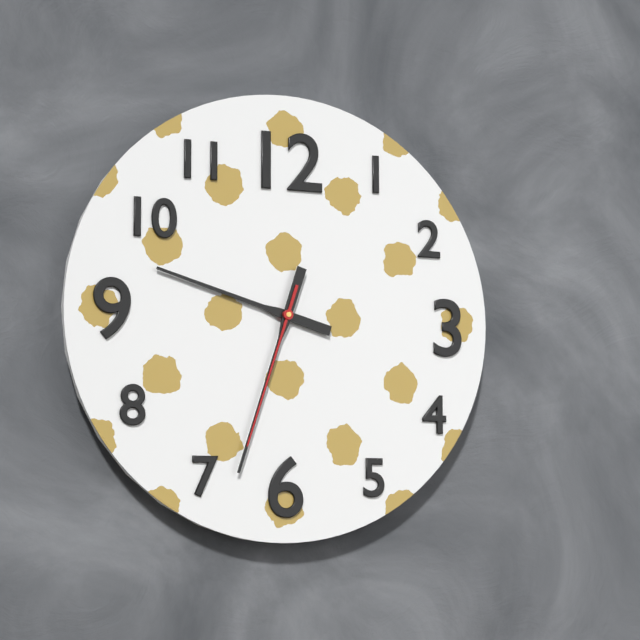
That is 9.33.33
